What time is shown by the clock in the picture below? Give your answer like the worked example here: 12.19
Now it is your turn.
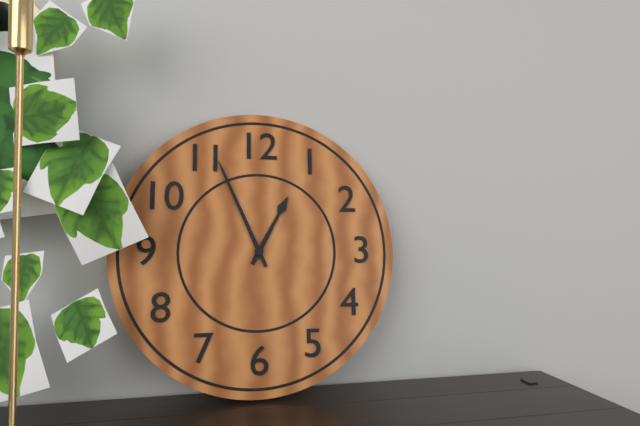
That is 12.56
